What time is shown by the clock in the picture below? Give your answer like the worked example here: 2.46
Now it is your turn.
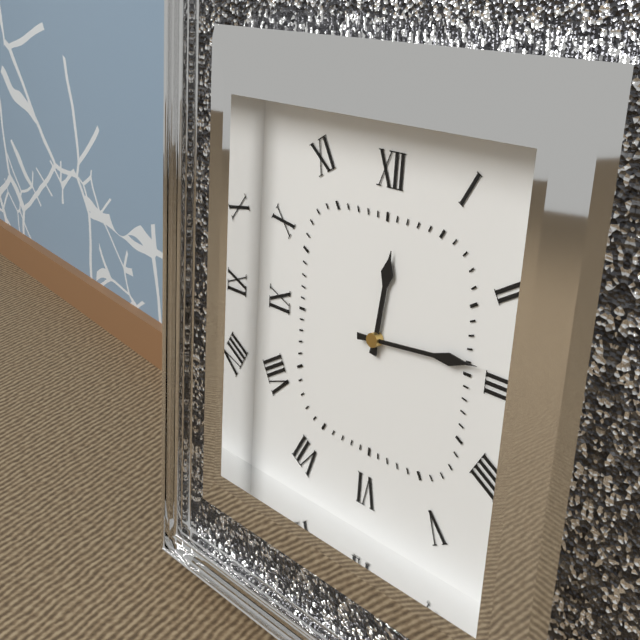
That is 12.14
